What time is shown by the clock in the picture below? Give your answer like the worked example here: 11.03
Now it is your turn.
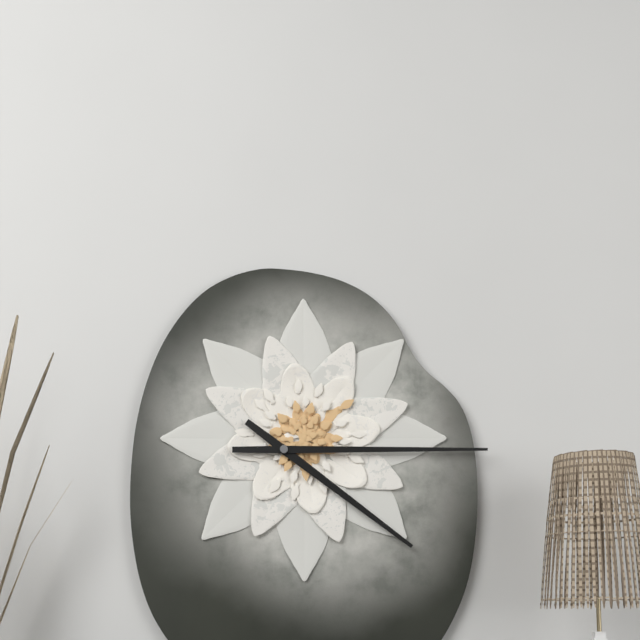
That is 4.15
